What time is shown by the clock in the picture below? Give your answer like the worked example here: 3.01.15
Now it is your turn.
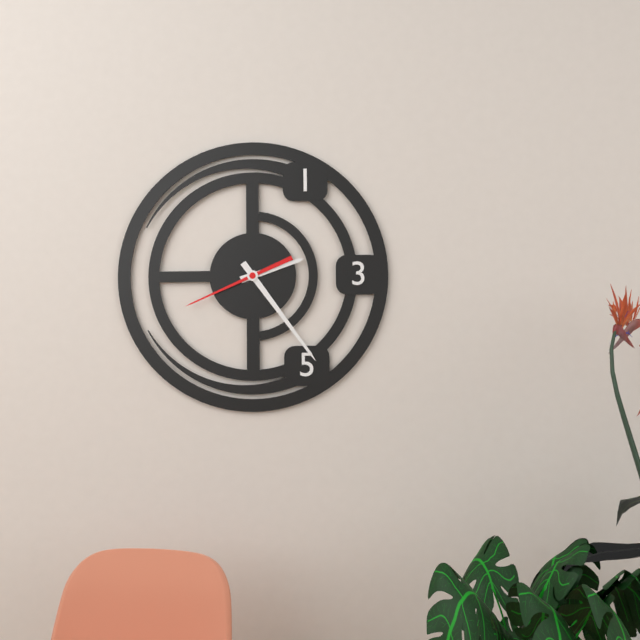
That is 2.24.41
